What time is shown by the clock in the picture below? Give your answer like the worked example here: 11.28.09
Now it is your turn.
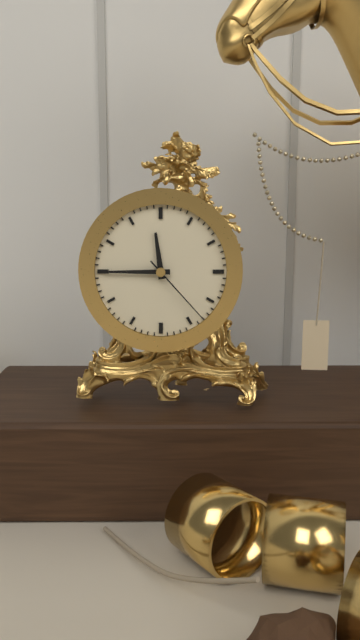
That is 11.45.23
